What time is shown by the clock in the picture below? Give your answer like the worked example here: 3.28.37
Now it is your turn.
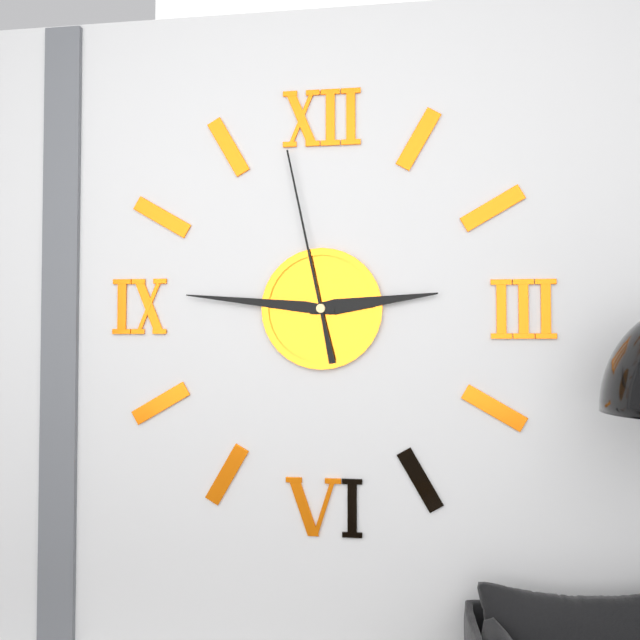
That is 2.46.58
